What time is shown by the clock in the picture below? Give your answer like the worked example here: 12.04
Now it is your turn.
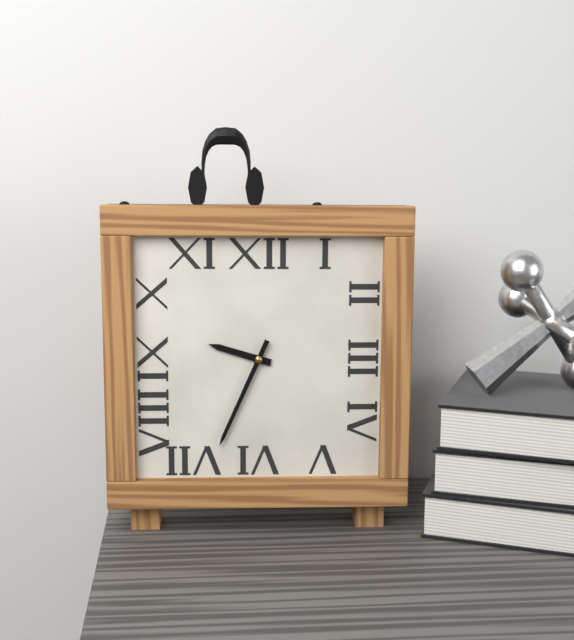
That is 9.34
